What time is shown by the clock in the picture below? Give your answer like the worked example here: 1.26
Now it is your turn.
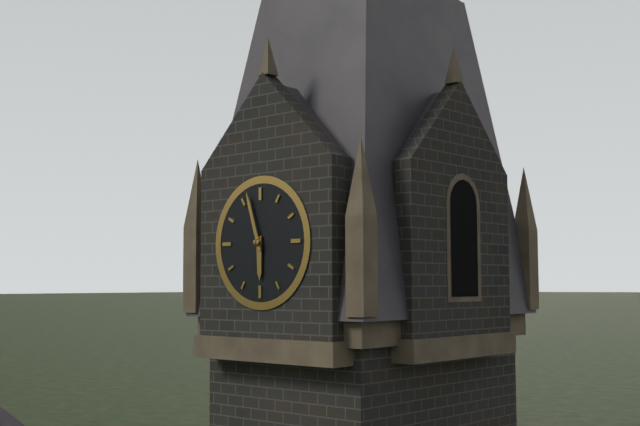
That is 5.57
